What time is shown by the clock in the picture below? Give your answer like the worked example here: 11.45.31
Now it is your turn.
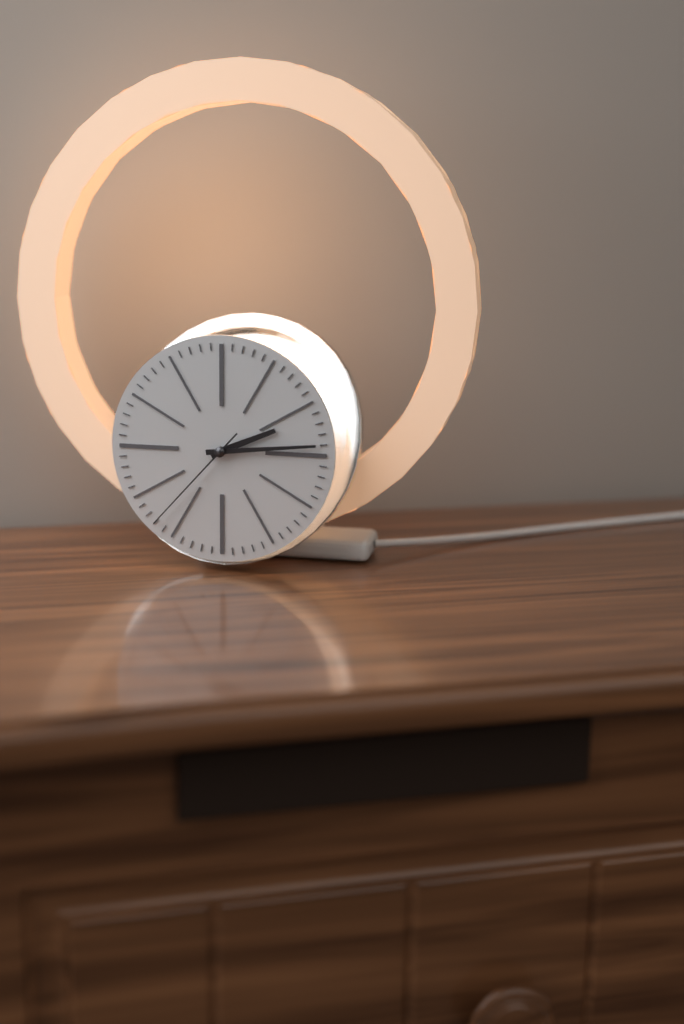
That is 2.14.37
